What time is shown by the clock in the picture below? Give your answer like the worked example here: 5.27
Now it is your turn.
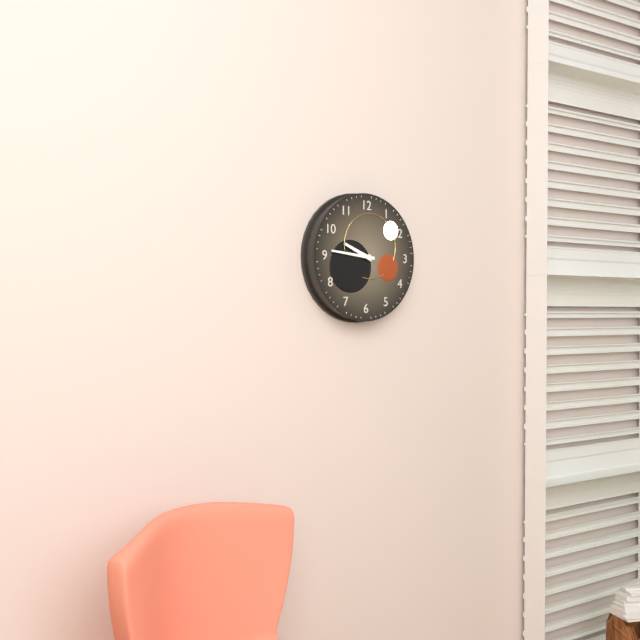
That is 9.46
